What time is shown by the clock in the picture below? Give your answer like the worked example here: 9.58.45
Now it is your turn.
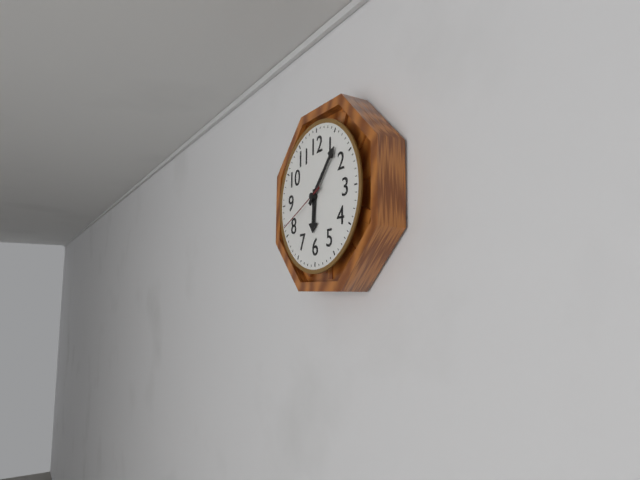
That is 6.07.41
